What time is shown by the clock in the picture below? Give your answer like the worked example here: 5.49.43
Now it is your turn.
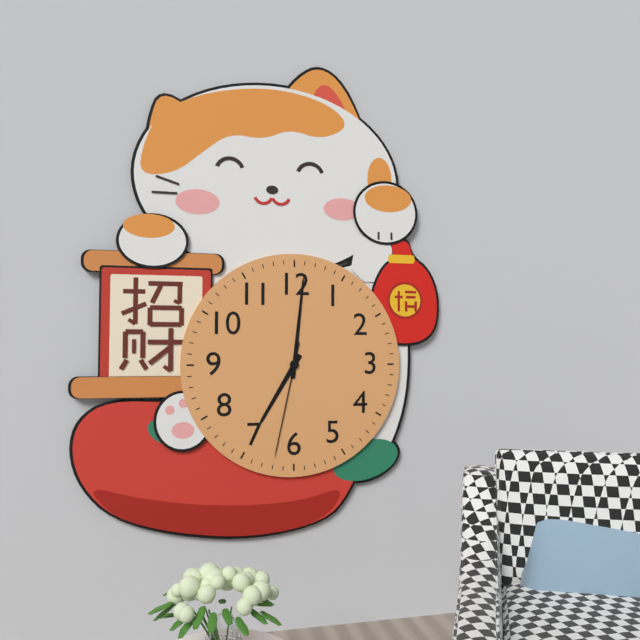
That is 7.01.32
